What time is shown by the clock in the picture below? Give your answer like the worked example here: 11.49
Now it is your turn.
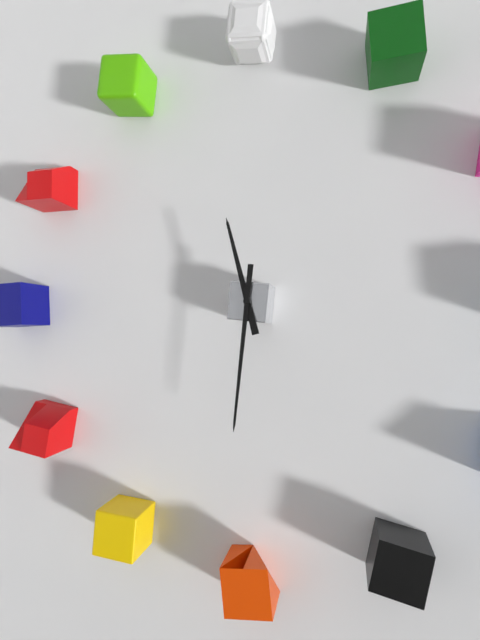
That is 11.31
